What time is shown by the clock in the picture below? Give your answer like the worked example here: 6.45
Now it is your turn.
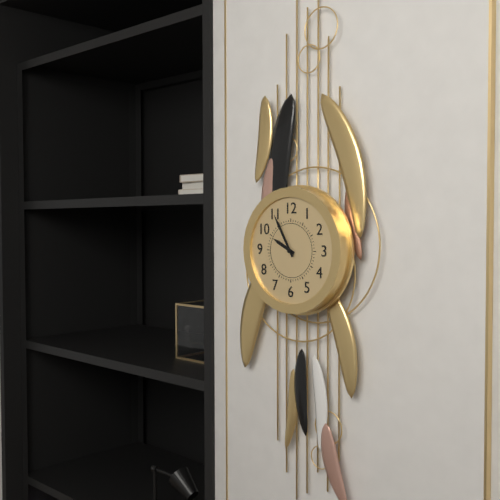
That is 9.55
